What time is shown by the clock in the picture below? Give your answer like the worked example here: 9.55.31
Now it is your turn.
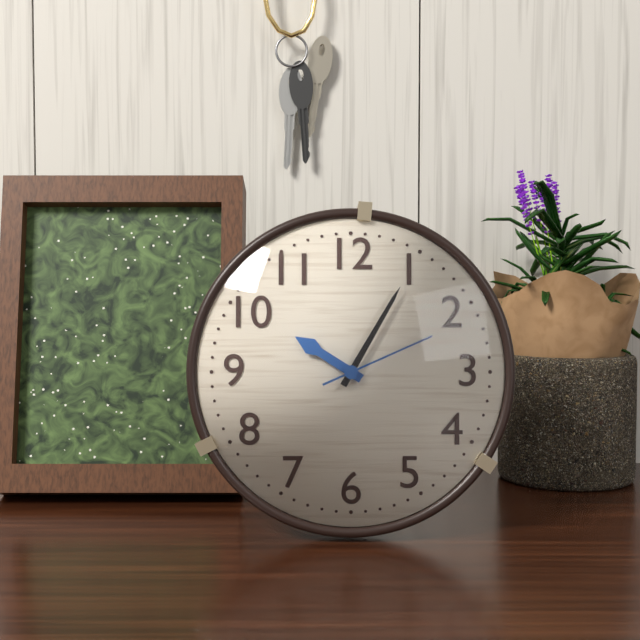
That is 10.05.11
